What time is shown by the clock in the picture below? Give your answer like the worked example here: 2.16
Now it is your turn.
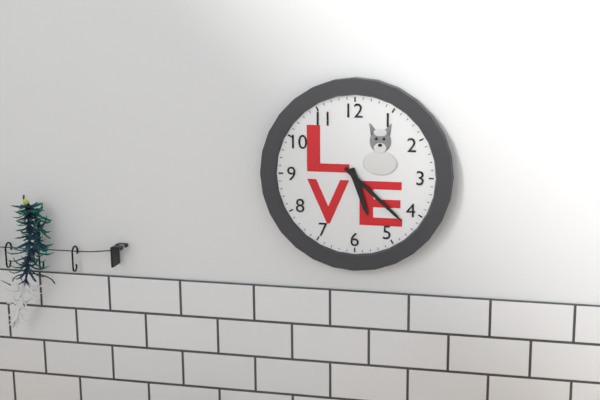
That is 5.22
